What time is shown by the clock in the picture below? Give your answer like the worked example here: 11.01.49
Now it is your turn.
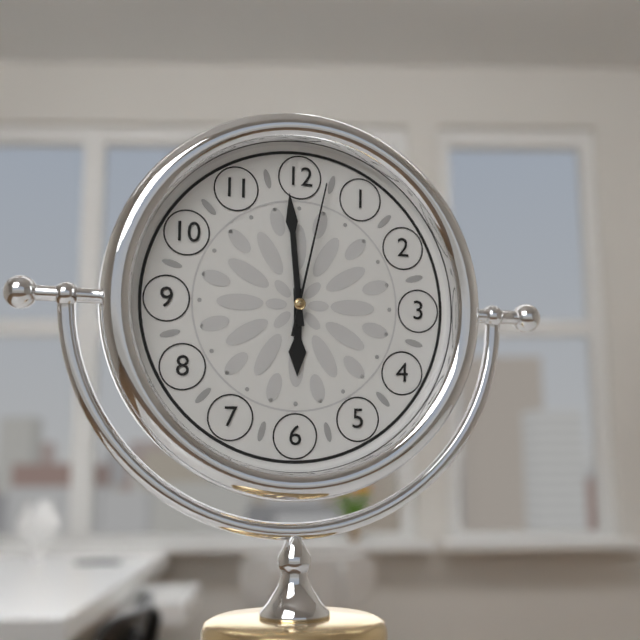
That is 5.59.02
